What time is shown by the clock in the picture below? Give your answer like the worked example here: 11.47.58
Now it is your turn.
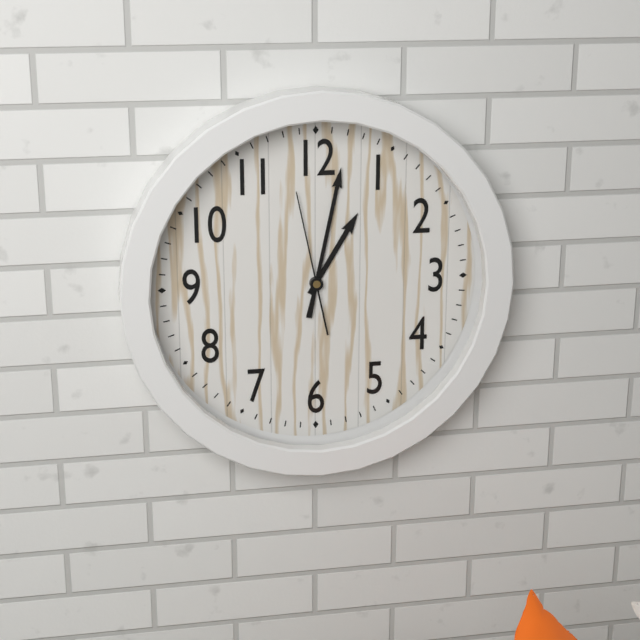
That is 1.02.58
